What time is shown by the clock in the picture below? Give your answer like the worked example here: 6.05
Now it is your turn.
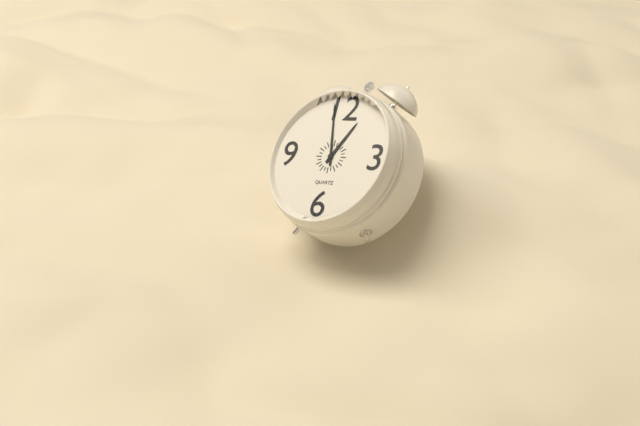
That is 12.58
